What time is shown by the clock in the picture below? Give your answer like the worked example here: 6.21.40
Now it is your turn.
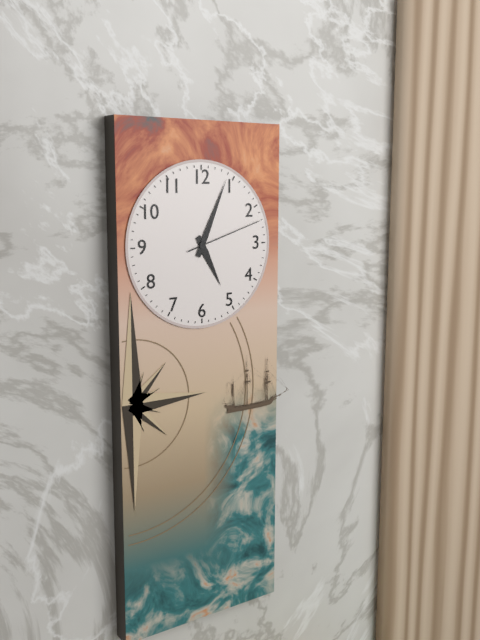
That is 5.04.12
